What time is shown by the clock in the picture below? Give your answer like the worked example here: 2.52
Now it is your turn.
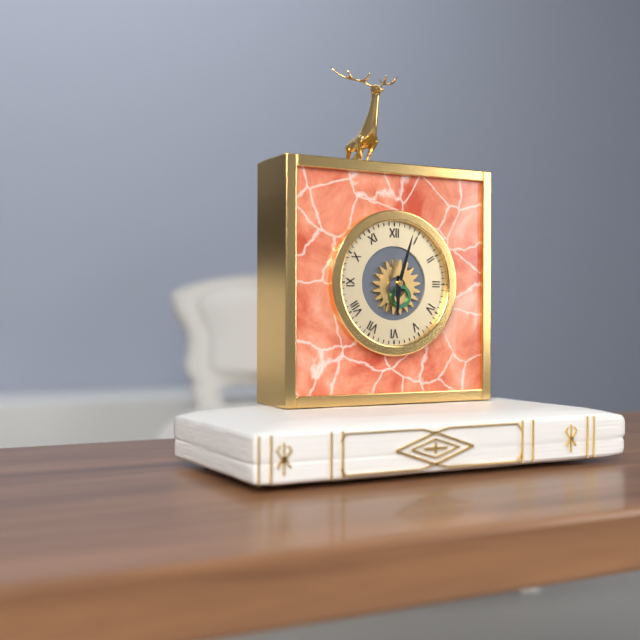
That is 6.03
